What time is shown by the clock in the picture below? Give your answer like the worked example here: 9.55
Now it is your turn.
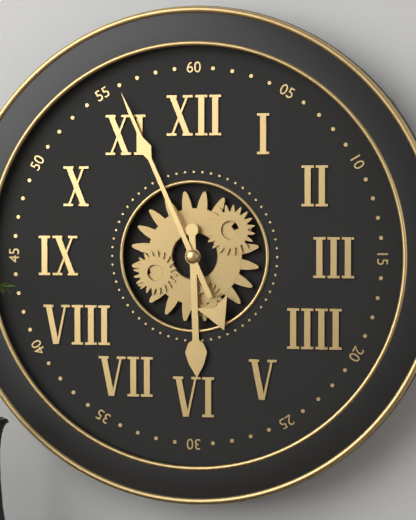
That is 5.56
